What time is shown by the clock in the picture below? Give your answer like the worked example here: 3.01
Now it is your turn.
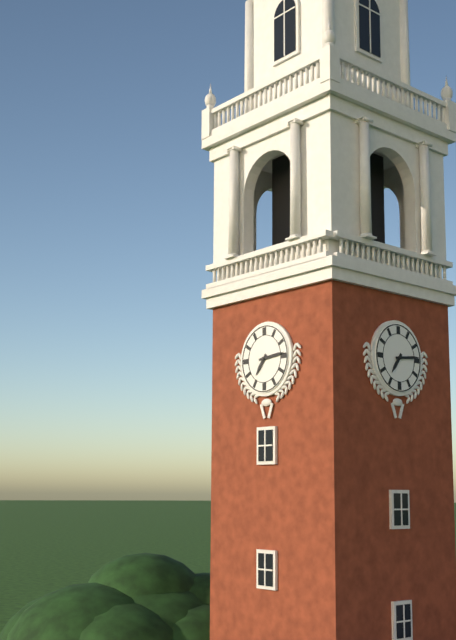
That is 7.14
